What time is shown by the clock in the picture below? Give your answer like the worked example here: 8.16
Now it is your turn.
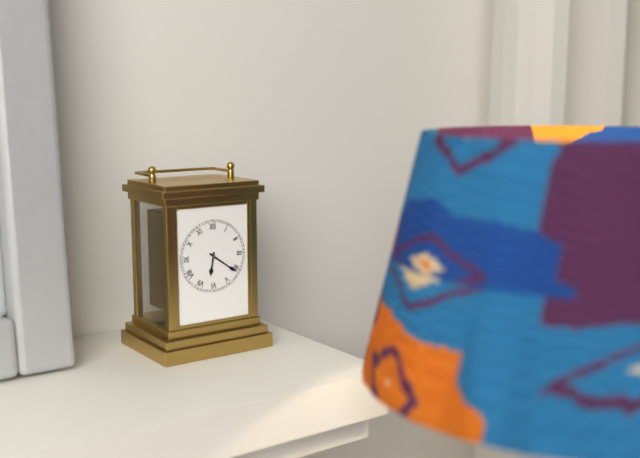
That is 6.21
